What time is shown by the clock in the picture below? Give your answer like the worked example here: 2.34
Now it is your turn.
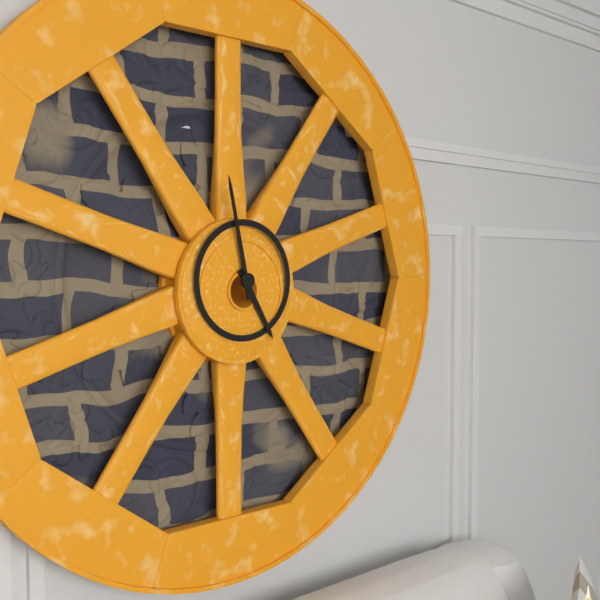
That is 4.58
